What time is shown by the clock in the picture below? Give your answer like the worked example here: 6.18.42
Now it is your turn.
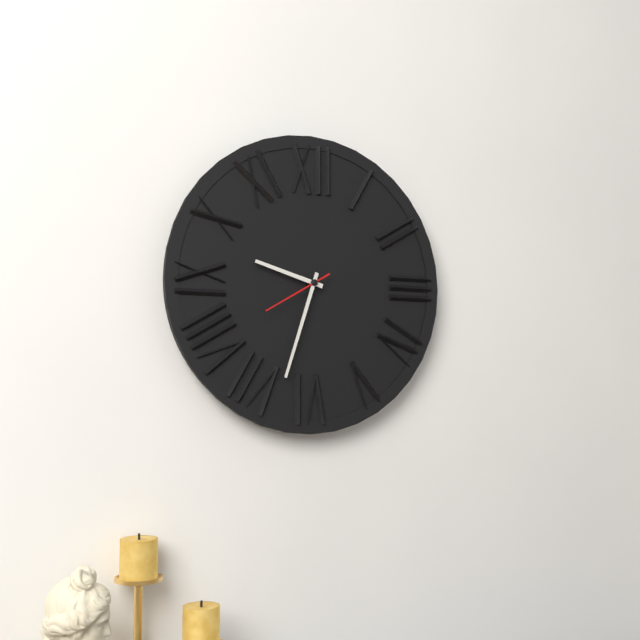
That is 9.33.40
